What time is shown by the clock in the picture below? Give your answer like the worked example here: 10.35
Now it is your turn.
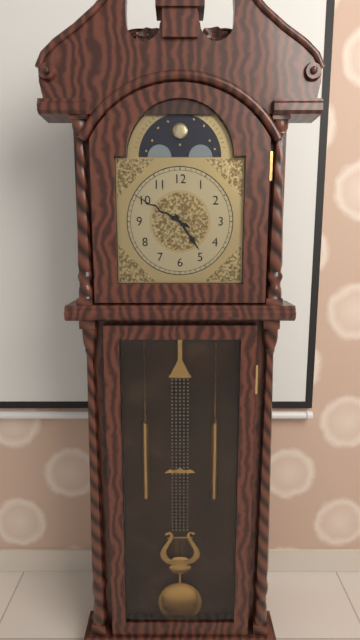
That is 4.50
